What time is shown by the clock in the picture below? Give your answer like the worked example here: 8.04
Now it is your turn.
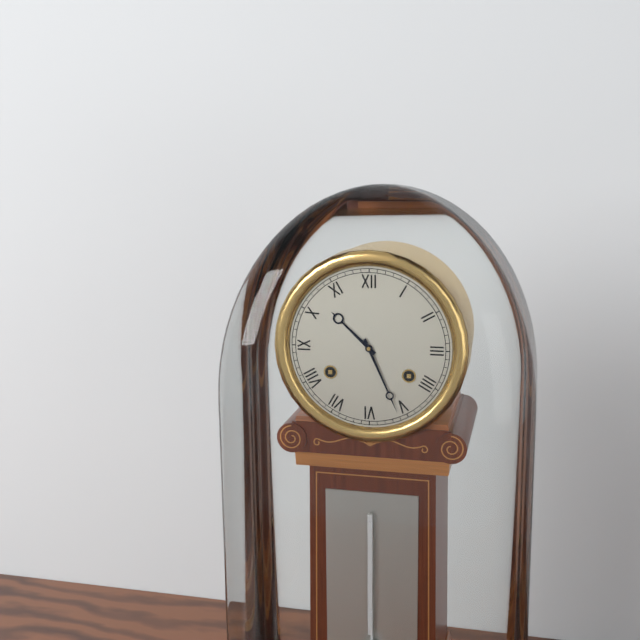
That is 10.26
